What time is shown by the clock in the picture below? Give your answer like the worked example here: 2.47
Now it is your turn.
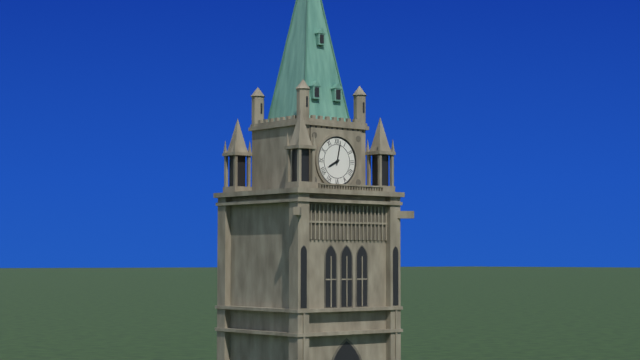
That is 8.02
